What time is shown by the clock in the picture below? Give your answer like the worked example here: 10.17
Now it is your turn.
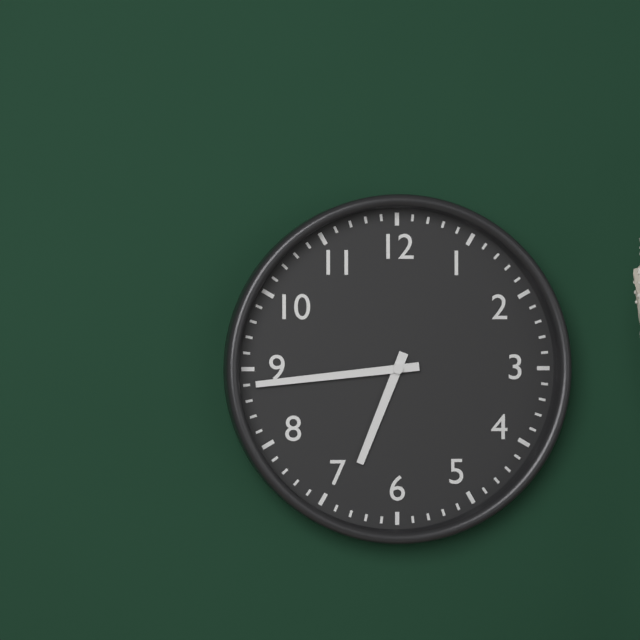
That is 6.44
